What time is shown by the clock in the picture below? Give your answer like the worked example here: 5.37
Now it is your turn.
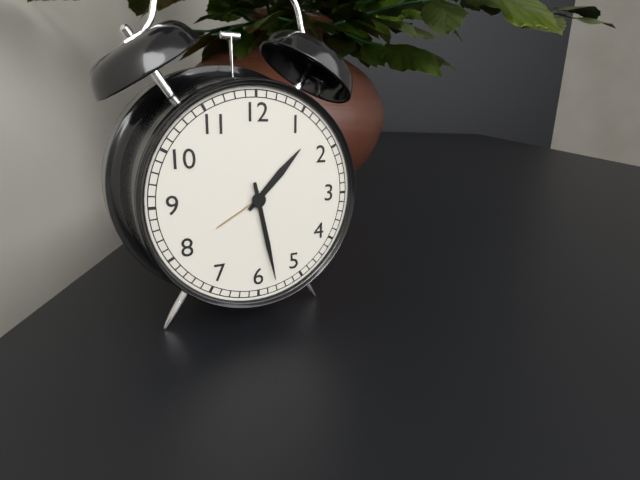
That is 1.28
